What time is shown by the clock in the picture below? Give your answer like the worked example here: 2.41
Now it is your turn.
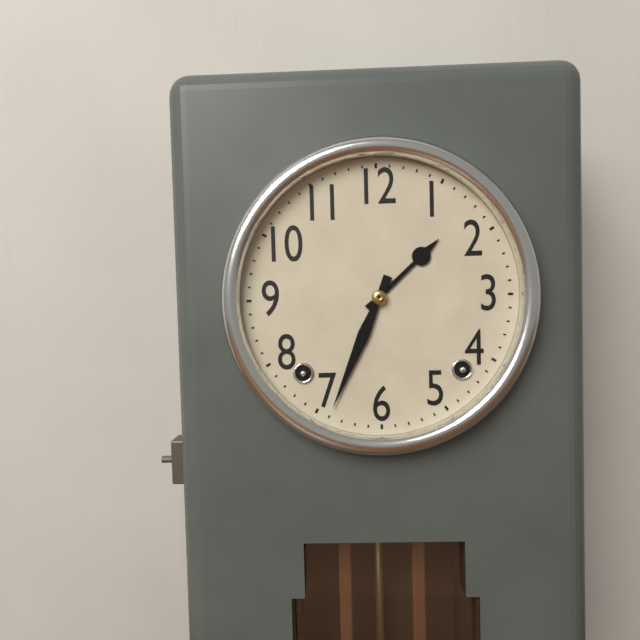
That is 1.34
